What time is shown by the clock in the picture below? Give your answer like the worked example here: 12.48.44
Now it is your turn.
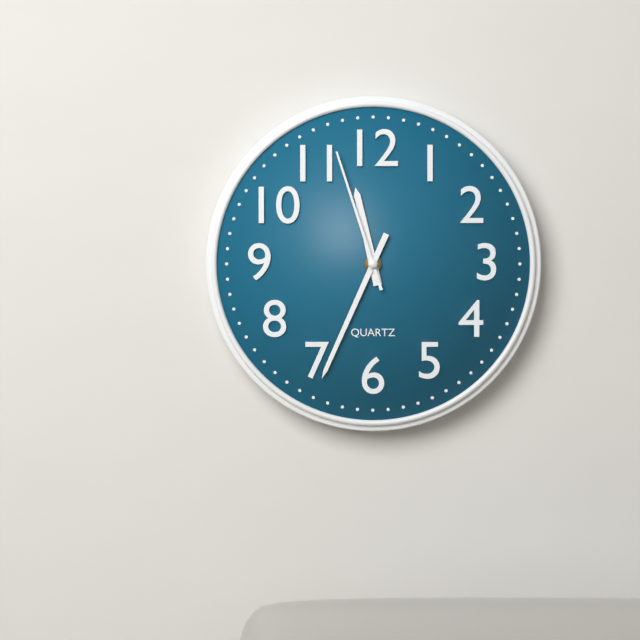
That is 11.34.57
